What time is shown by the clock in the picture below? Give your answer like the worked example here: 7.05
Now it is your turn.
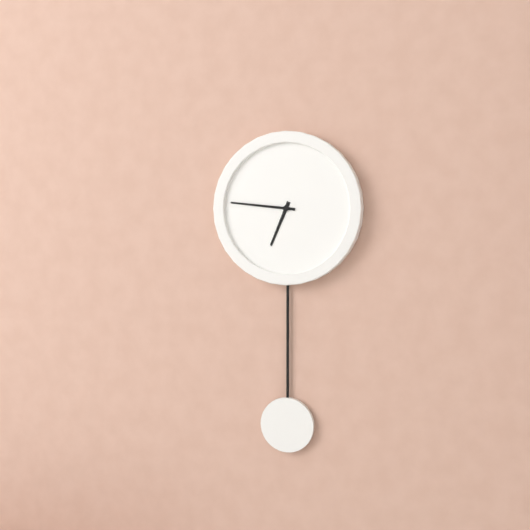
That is 6.46
